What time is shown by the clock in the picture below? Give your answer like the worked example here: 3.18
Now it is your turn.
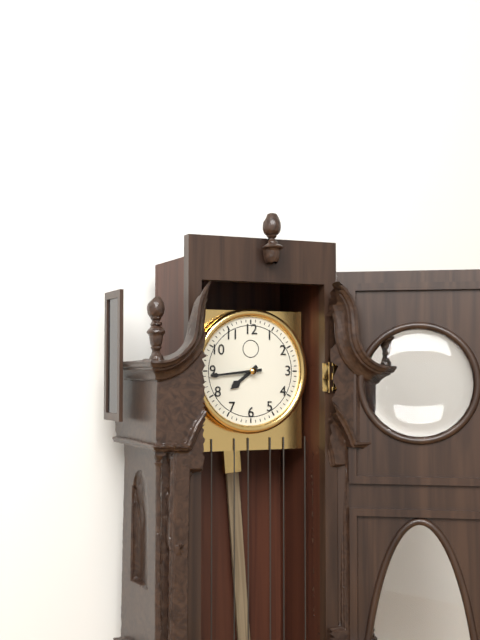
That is 7.44
